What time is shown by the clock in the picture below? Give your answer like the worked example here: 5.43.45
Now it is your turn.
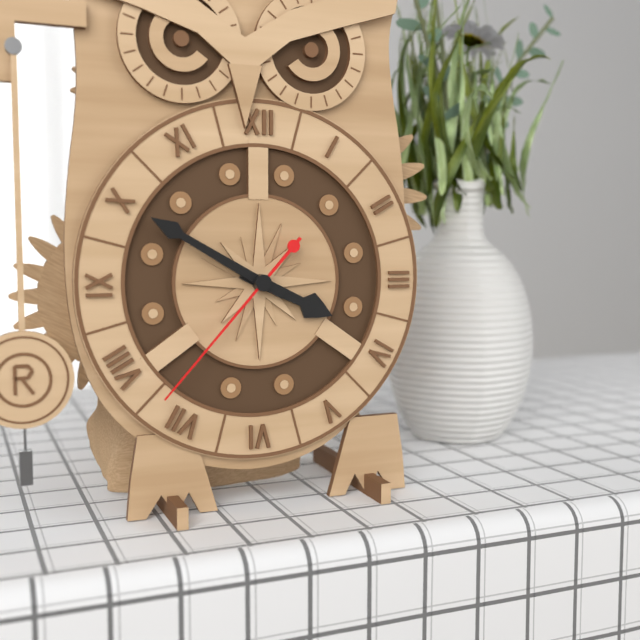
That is 3.50.37
